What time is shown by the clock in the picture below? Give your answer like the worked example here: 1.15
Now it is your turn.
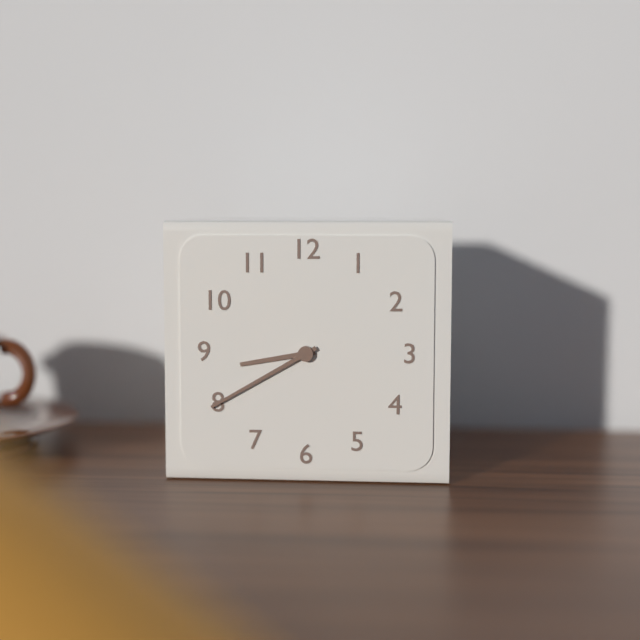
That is 8.40
